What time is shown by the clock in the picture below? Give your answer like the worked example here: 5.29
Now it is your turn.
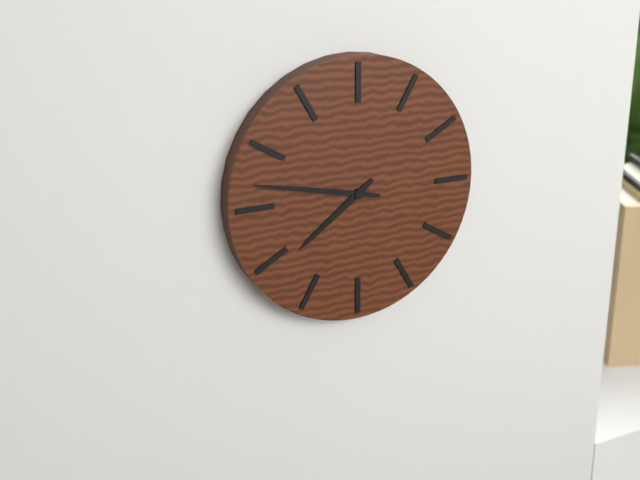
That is 7.47
